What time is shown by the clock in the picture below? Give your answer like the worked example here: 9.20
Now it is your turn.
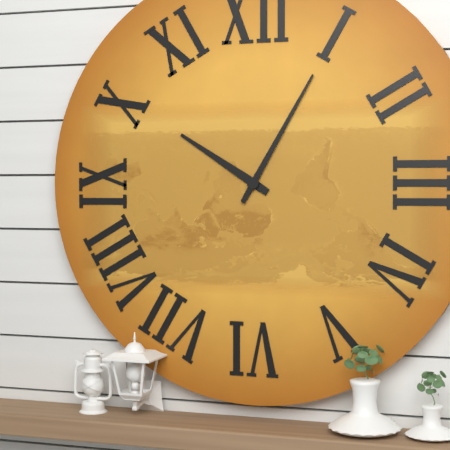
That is 10.05
